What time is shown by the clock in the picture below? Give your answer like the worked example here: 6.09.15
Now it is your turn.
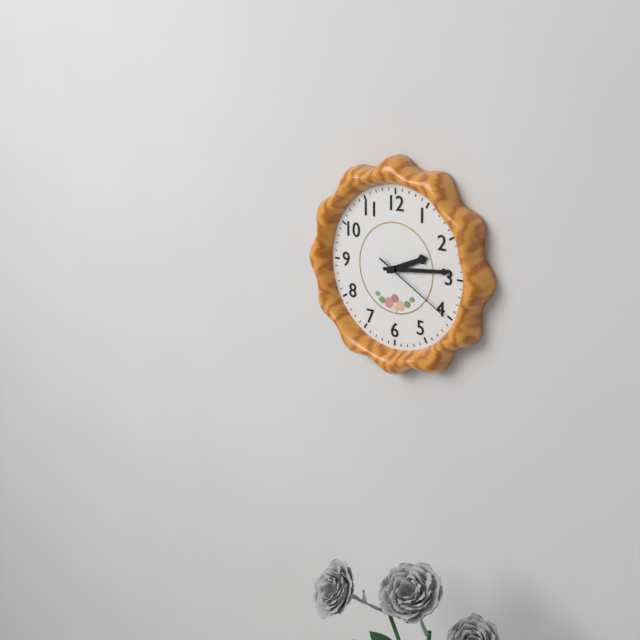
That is 2.14.20
